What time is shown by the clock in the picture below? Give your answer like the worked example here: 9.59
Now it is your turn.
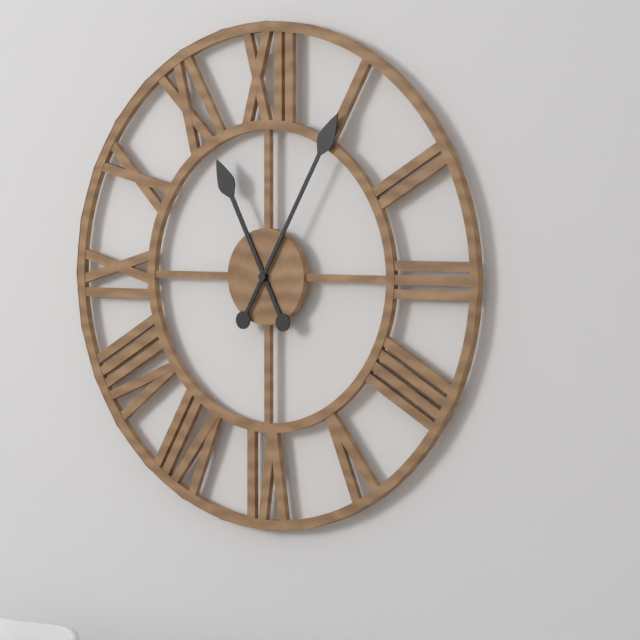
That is 11.05
